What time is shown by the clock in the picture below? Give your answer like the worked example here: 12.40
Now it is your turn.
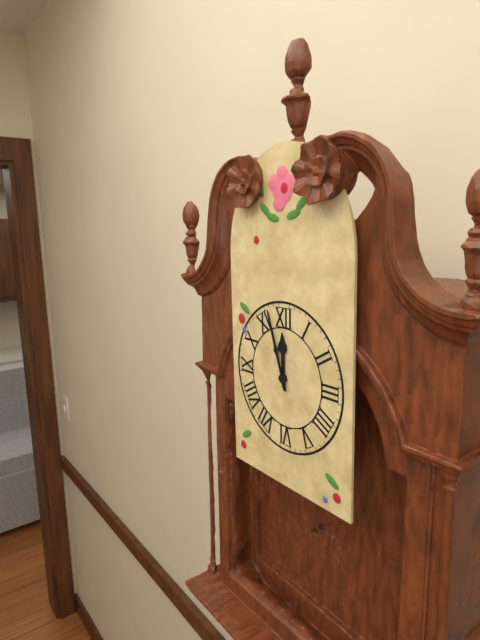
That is 11.57
